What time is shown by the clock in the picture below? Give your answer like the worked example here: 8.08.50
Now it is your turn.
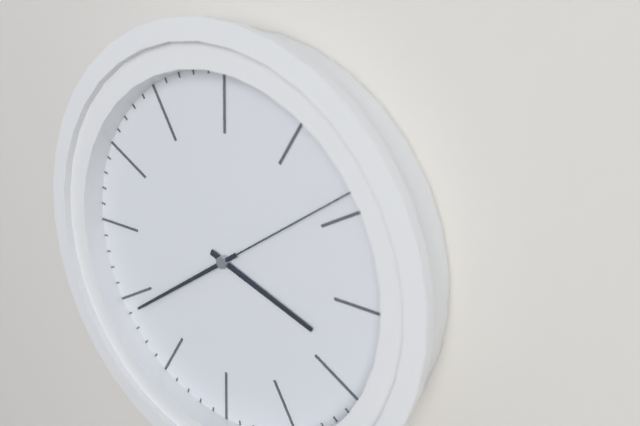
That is 3.39.09
